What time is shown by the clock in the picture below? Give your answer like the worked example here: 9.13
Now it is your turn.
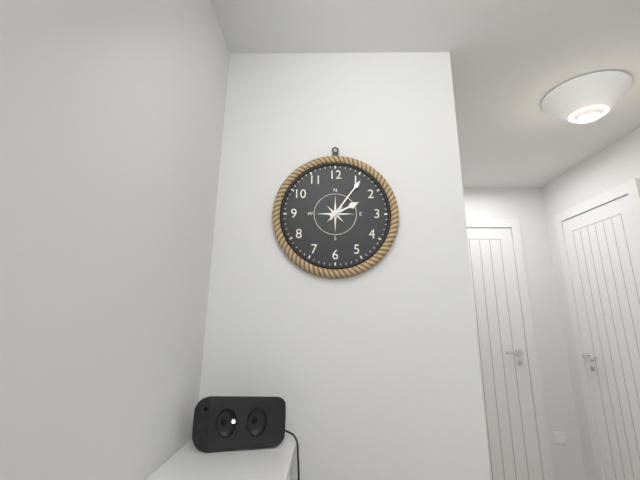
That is 2.06
